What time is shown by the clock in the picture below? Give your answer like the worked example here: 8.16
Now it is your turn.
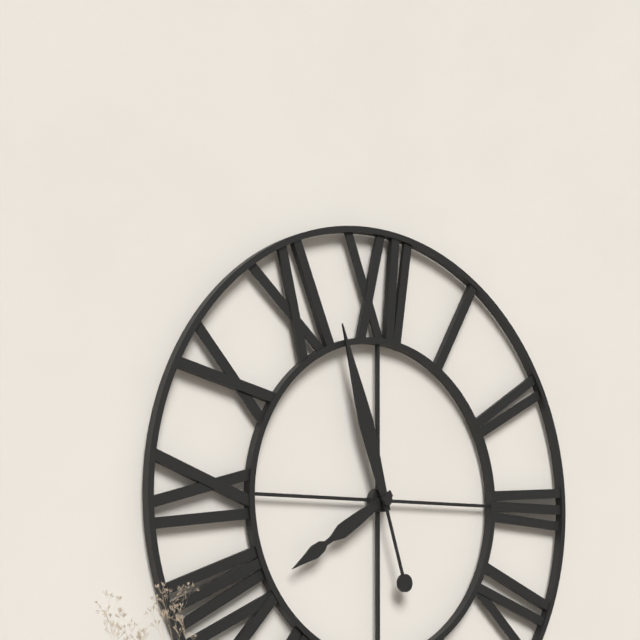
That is 7.57
